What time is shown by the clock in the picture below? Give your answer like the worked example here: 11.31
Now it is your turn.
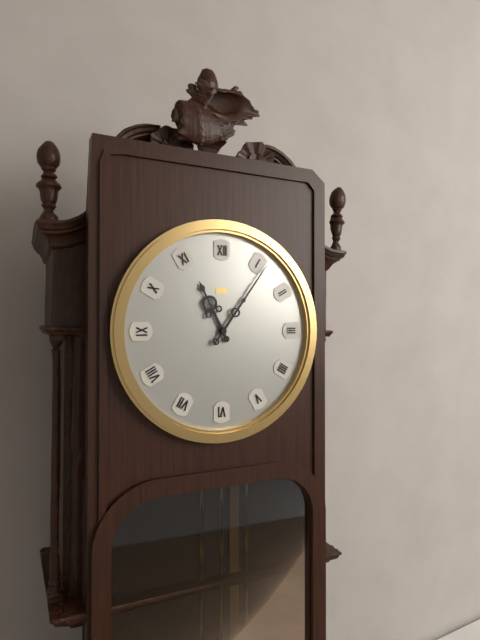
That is 11.06
